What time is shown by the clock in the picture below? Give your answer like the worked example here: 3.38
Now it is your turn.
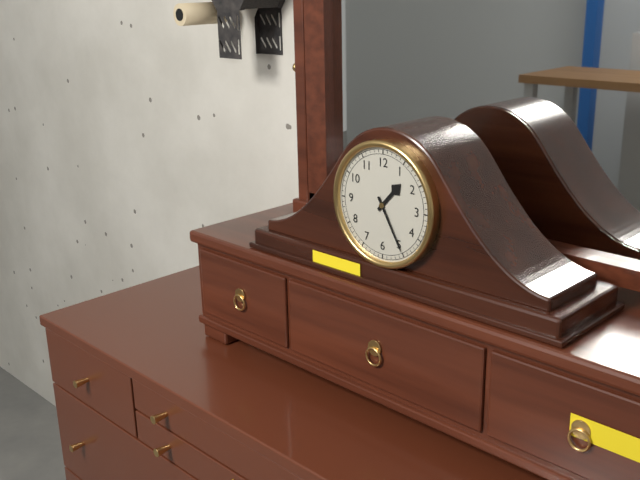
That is 1.25
